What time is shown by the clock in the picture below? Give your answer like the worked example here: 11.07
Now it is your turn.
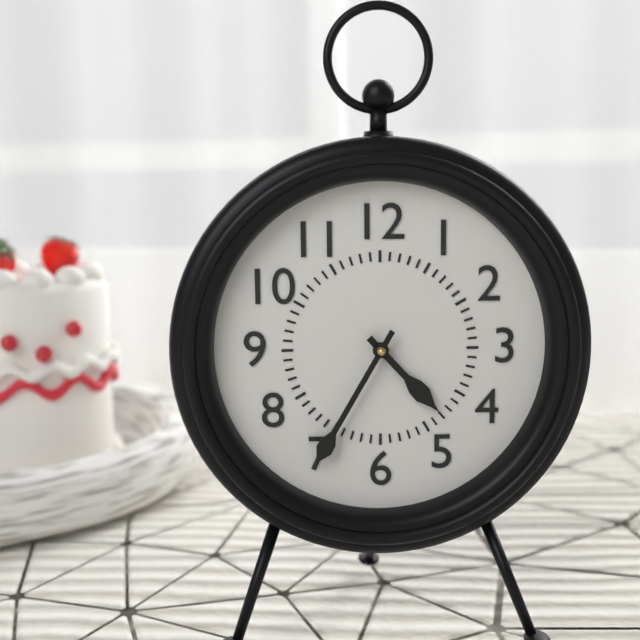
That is 4.35
